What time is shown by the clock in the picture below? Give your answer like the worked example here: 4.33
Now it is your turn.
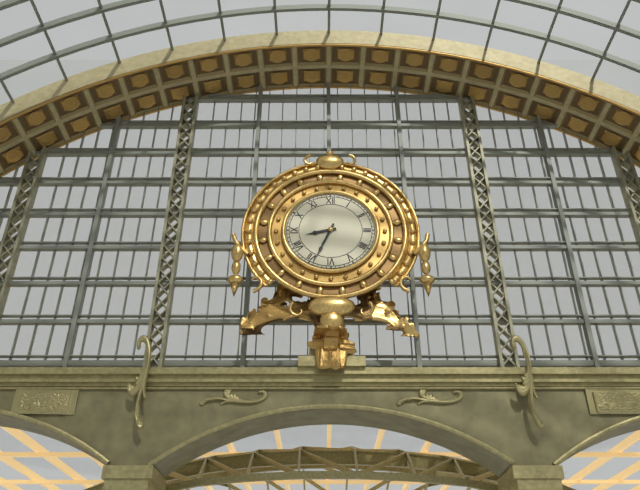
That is 8.34
